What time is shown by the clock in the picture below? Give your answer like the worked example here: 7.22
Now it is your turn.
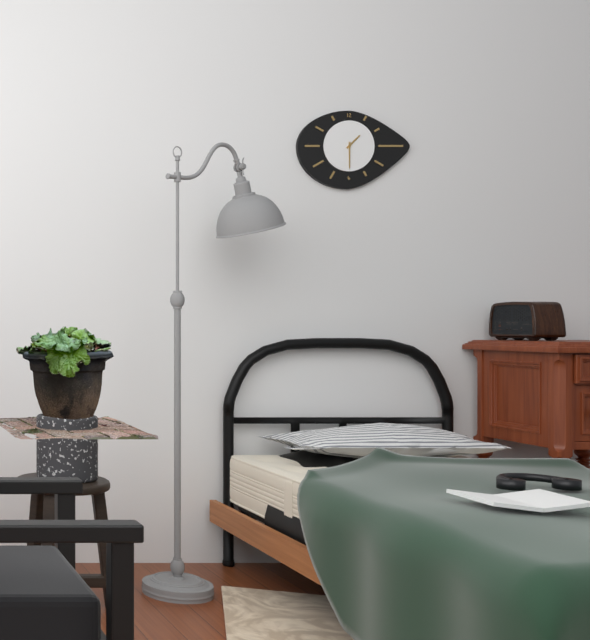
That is 1.30
